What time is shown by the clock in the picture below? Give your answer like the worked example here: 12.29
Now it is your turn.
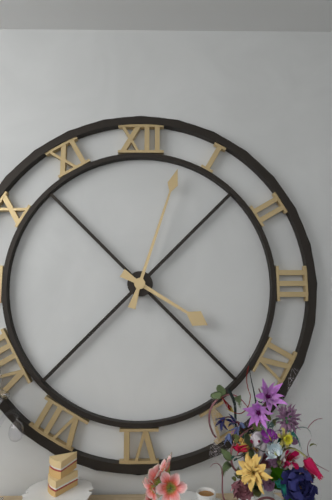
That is 4.03
